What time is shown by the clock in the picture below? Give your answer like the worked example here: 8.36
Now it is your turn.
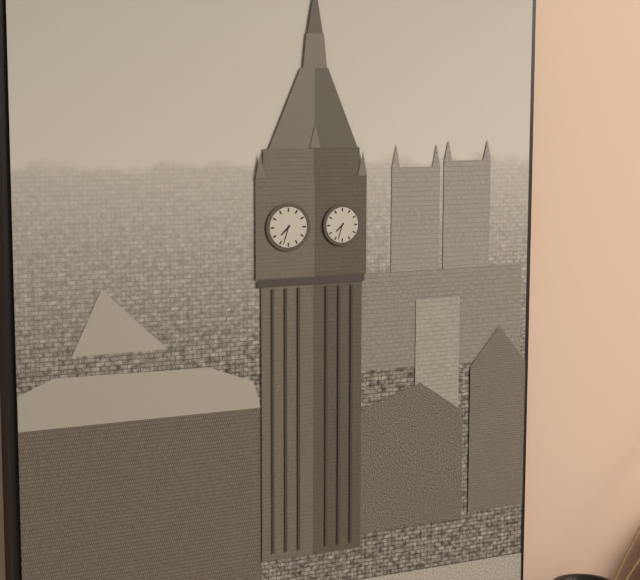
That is 7.33
